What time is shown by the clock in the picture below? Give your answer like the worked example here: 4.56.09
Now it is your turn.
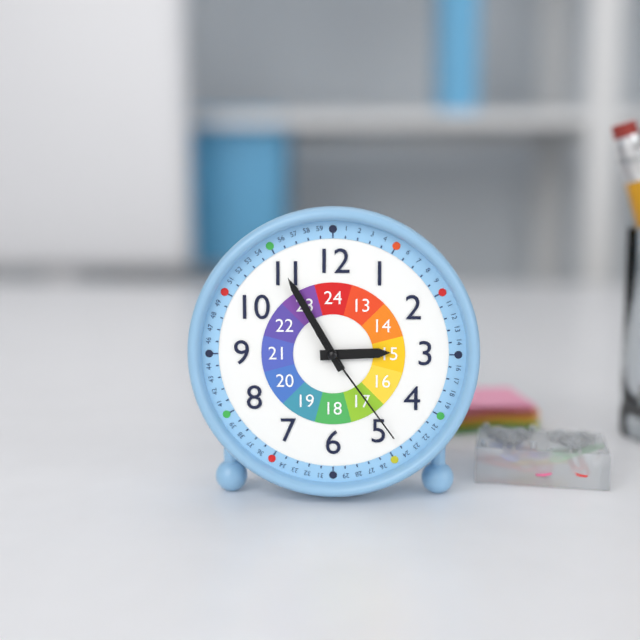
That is 2.55.24
